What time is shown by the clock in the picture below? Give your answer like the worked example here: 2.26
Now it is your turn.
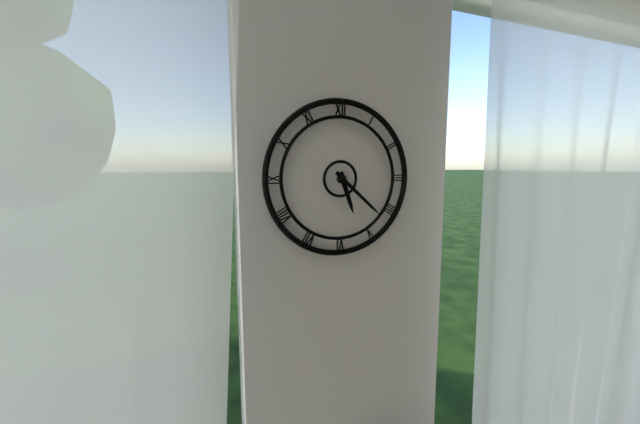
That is 5.22
